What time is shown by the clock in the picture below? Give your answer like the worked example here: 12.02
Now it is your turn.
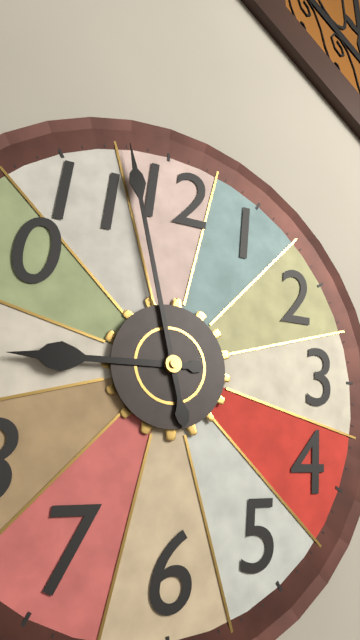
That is 8.58
